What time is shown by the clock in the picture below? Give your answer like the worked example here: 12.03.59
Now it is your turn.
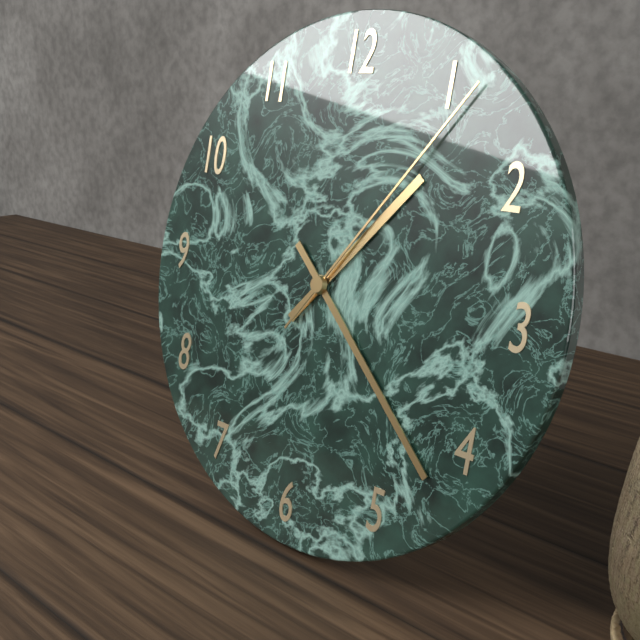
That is 1.22.06
